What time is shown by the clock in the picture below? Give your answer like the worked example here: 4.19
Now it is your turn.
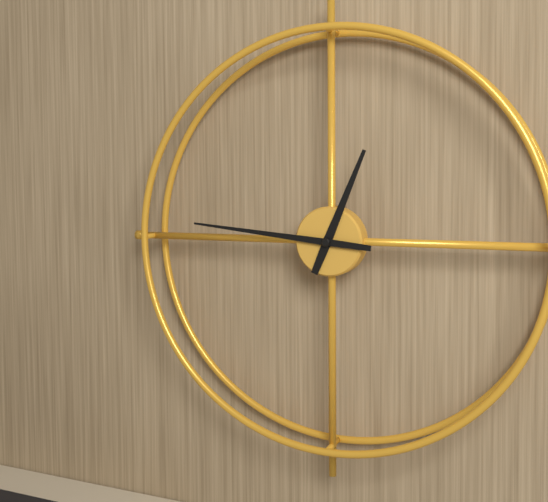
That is 12.46
